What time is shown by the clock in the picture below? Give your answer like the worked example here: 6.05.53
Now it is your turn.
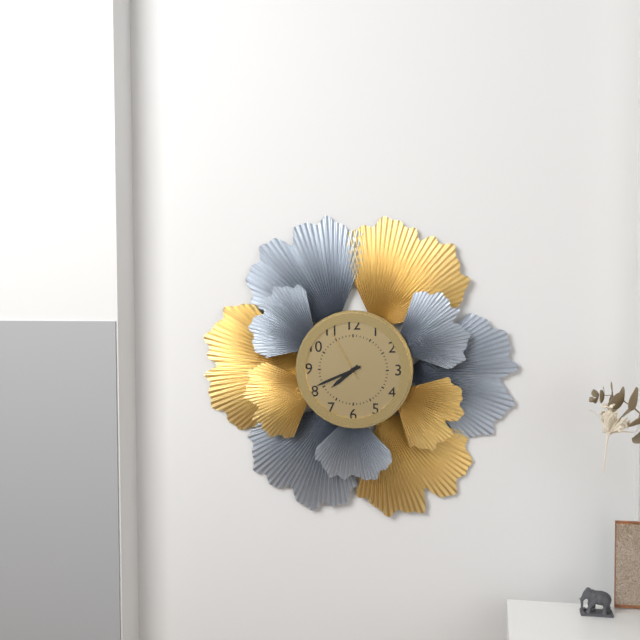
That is 7.41.55
